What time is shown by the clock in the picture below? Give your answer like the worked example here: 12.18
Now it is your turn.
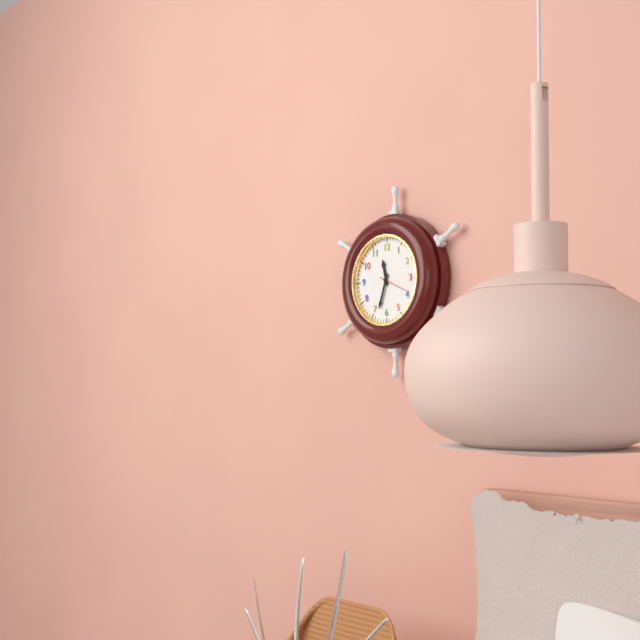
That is 11.33
